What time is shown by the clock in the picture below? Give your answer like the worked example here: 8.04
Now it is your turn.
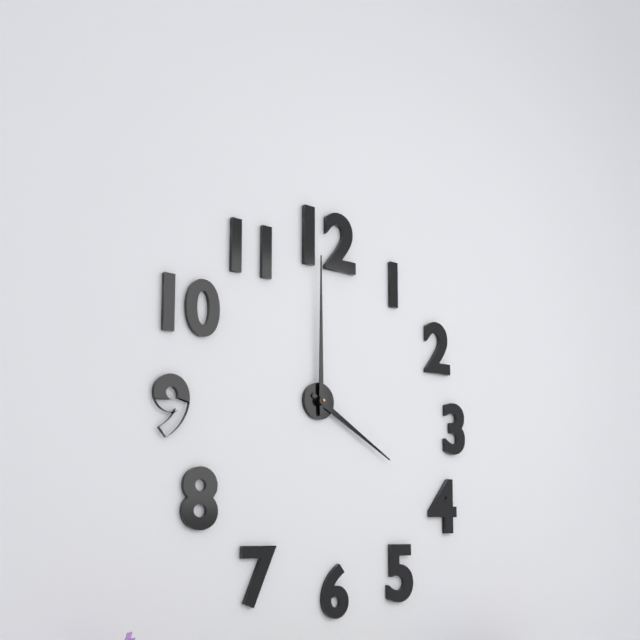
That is 4.00
